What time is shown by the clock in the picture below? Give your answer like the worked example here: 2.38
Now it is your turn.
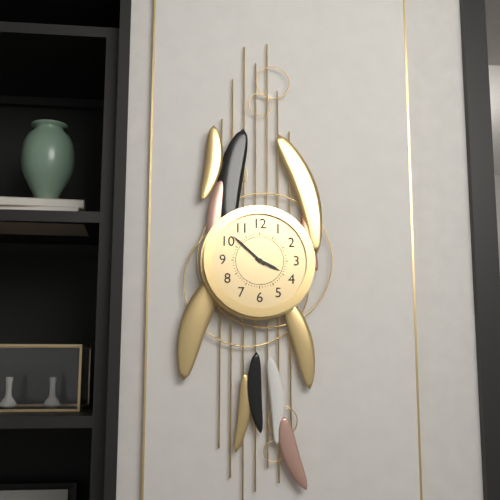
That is 3.52
